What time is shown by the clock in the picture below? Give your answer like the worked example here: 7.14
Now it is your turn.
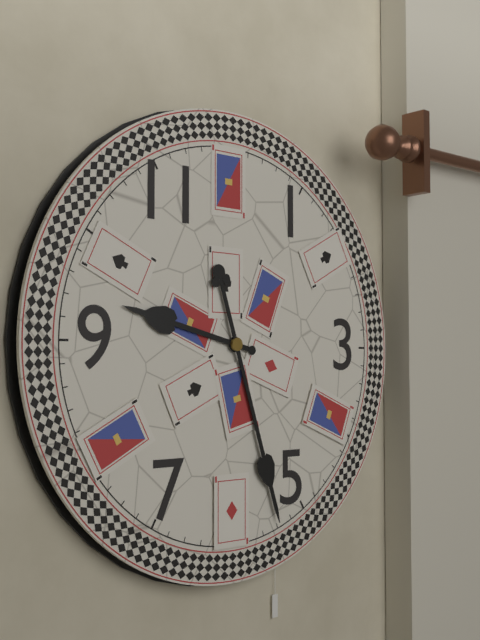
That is 9.27
